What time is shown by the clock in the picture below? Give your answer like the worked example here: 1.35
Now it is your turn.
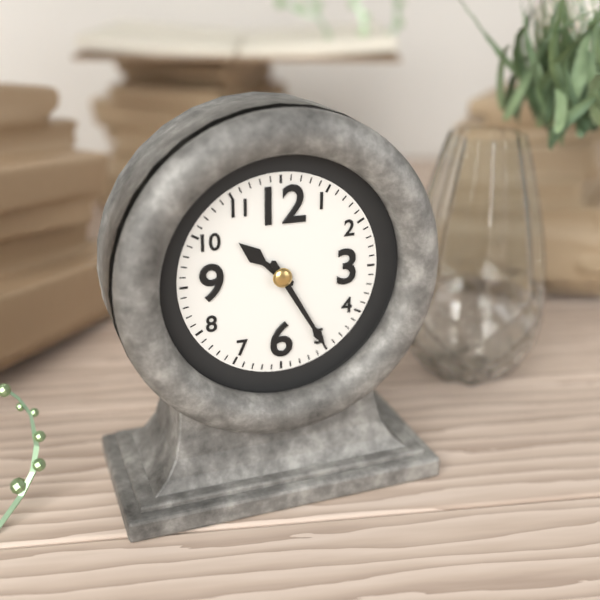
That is 10.25
